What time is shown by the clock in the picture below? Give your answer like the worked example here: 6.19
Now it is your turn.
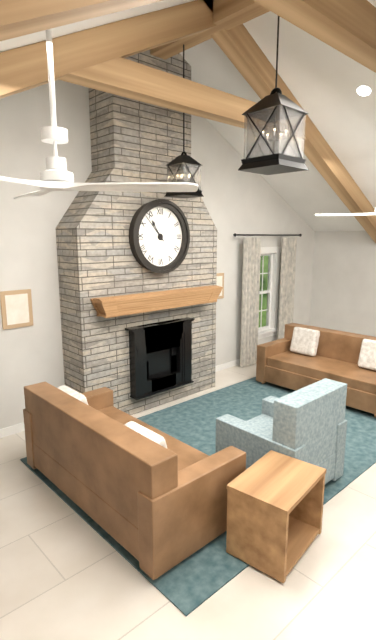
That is 10.53
